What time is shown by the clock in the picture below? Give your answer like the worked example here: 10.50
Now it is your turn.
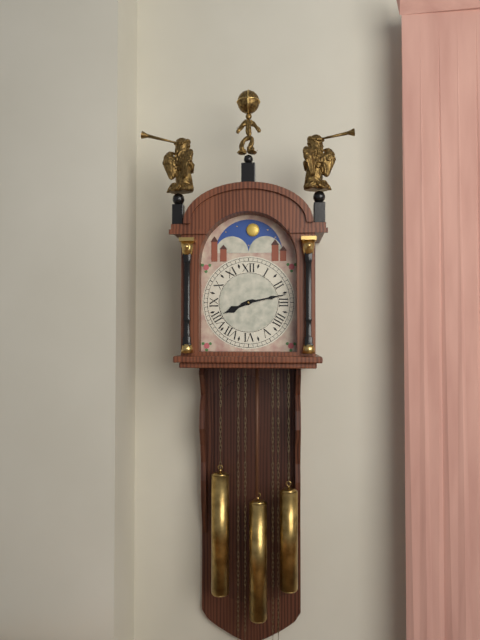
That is 8.13
